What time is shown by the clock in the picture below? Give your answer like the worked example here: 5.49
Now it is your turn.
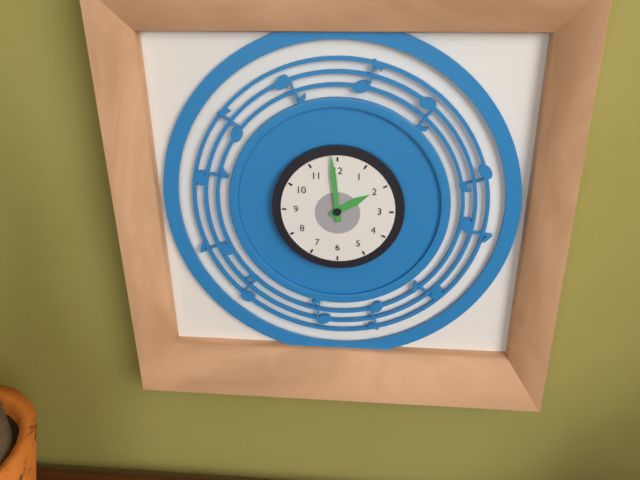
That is 1.59
